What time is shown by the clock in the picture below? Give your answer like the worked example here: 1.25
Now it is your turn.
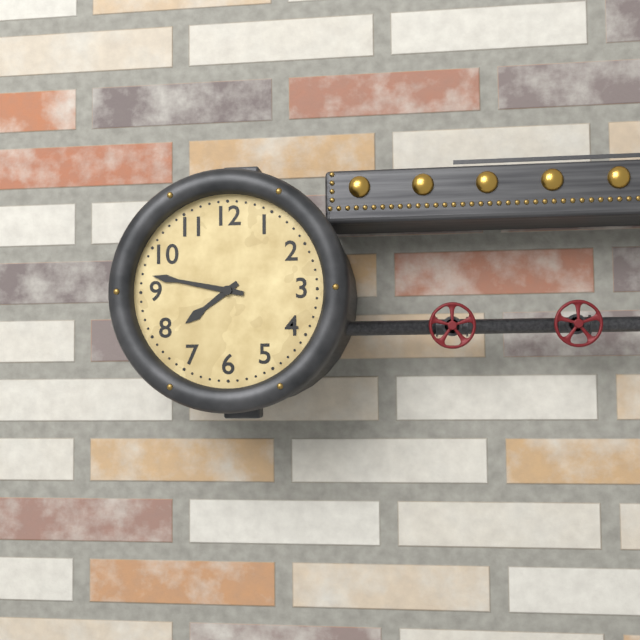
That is 7.47
